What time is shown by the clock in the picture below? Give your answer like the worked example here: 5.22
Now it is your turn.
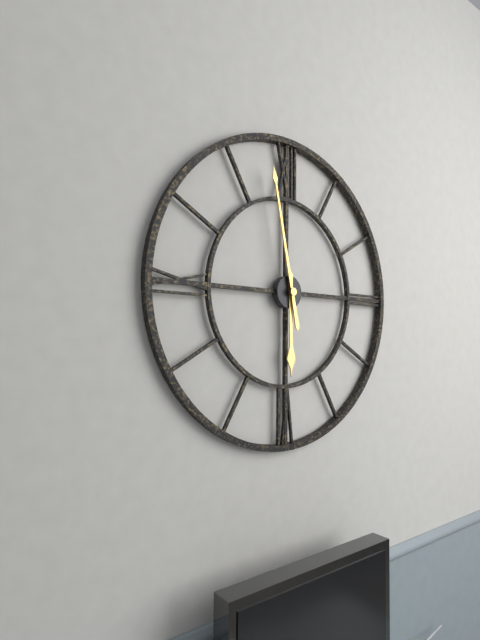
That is 5.58
